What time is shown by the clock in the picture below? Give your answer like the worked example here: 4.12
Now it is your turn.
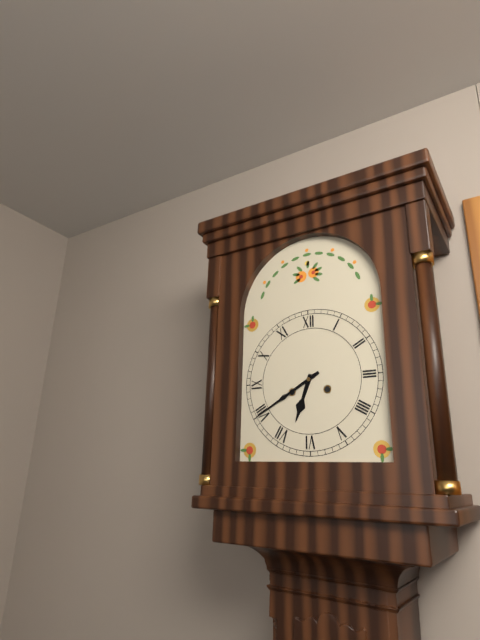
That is 6.40
